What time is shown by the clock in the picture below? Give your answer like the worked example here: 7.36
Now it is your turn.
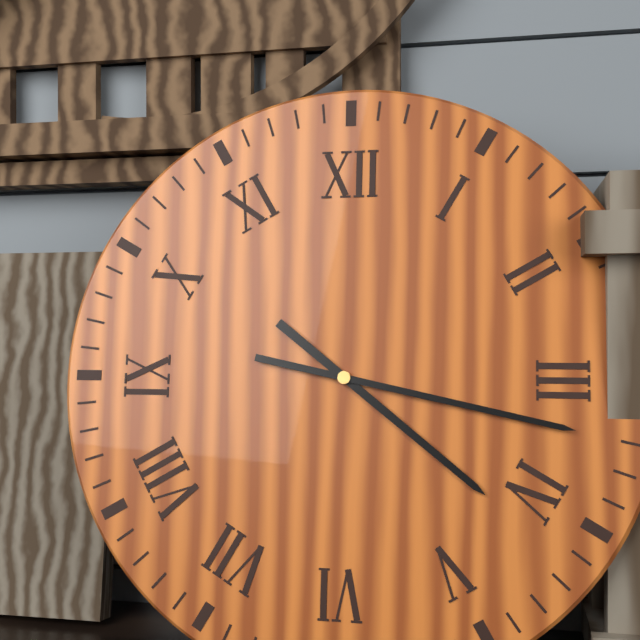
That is 4.17
